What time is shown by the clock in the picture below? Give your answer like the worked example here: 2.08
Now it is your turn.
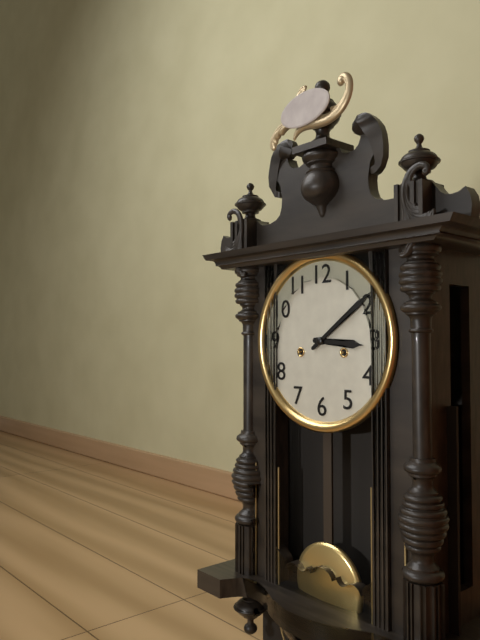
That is 3.09
